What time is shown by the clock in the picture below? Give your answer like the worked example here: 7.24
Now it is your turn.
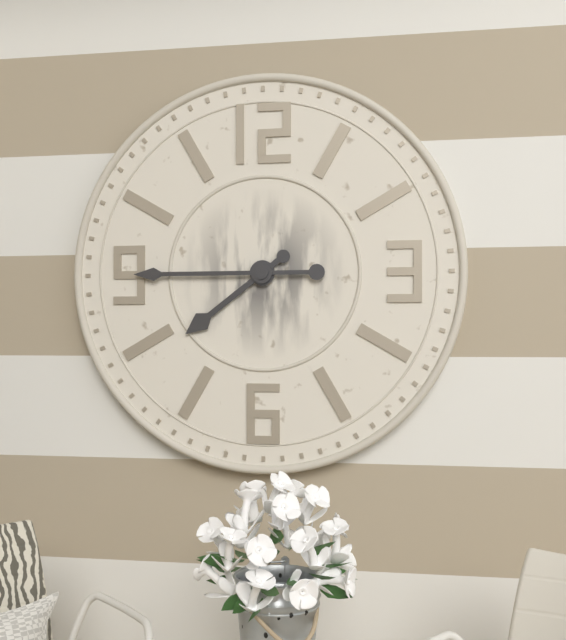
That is 7.45
